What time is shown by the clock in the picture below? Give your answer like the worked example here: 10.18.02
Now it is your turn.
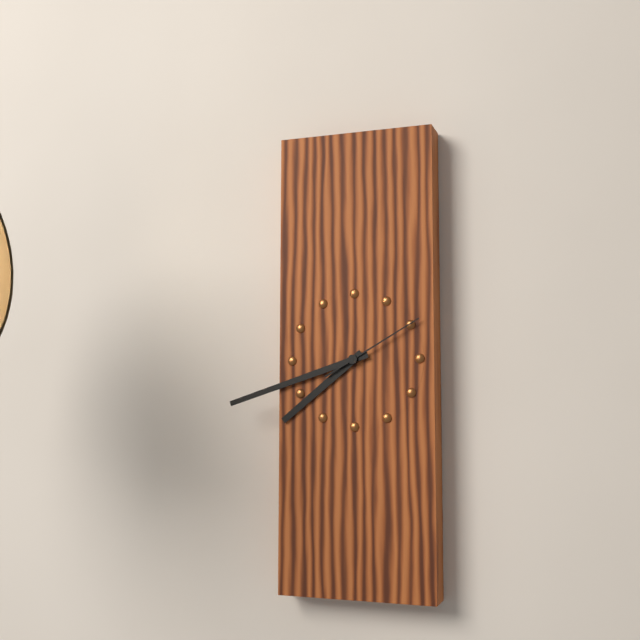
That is 7.42.10
